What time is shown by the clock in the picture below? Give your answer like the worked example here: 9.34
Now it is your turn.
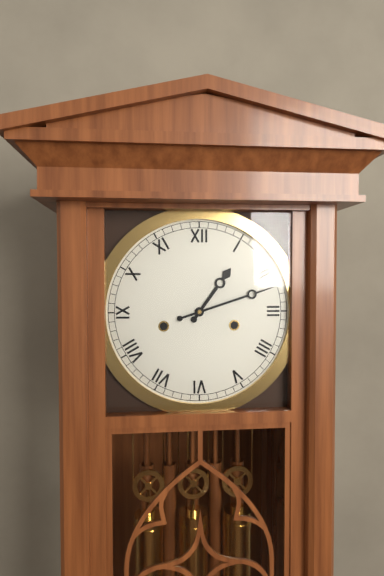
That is 1.12
